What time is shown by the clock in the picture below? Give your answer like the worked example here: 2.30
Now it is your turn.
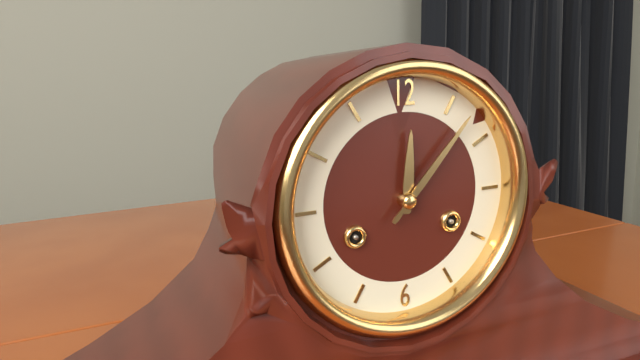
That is 12.07
